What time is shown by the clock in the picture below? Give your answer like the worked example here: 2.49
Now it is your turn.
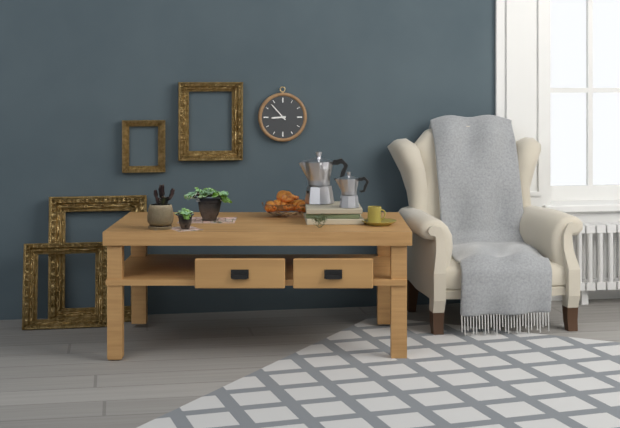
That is 8.53
